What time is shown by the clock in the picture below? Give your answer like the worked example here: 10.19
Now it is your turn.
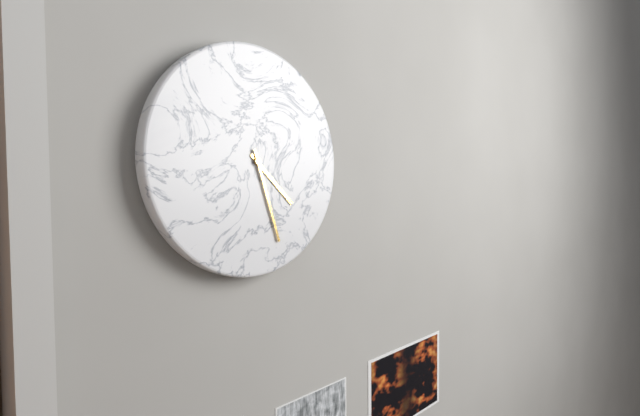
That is 4.27
